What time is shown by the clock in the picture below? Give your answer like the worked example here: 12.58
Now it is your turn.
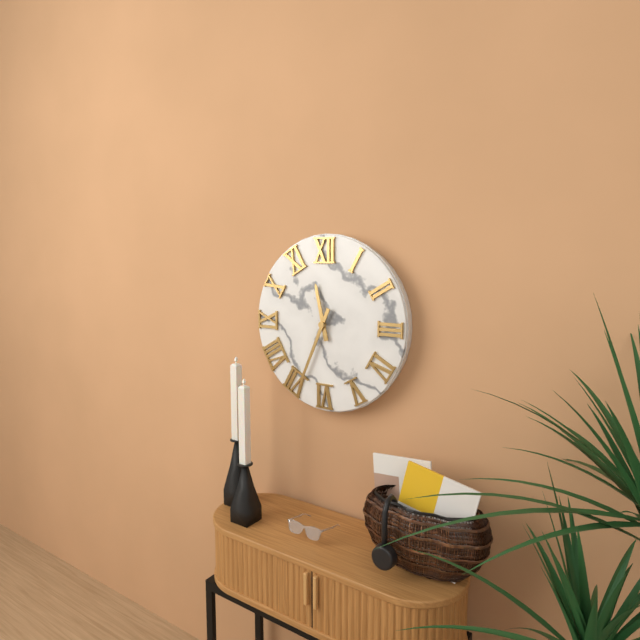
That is 11.34
